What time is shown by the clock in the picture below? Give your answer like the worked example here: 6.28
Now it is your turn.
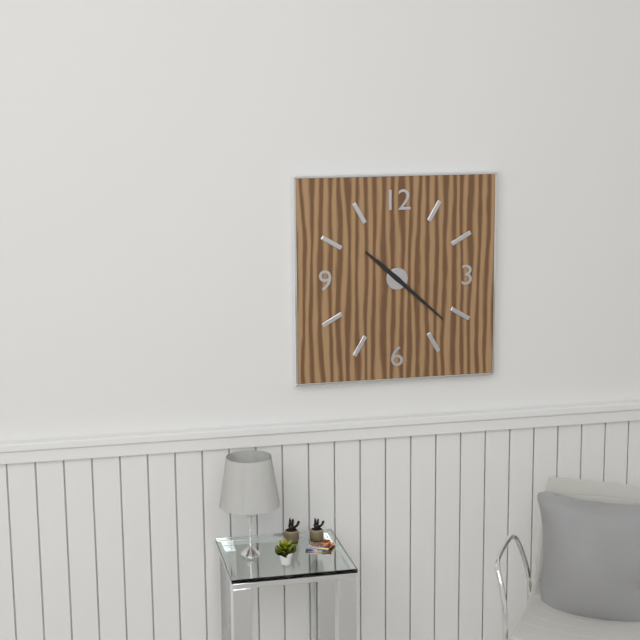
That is 10.22
